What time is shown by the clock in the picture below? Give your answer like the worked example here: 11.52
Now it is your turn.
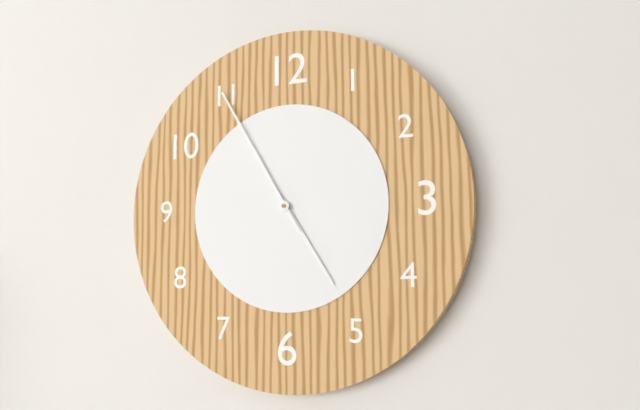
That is 4.55
